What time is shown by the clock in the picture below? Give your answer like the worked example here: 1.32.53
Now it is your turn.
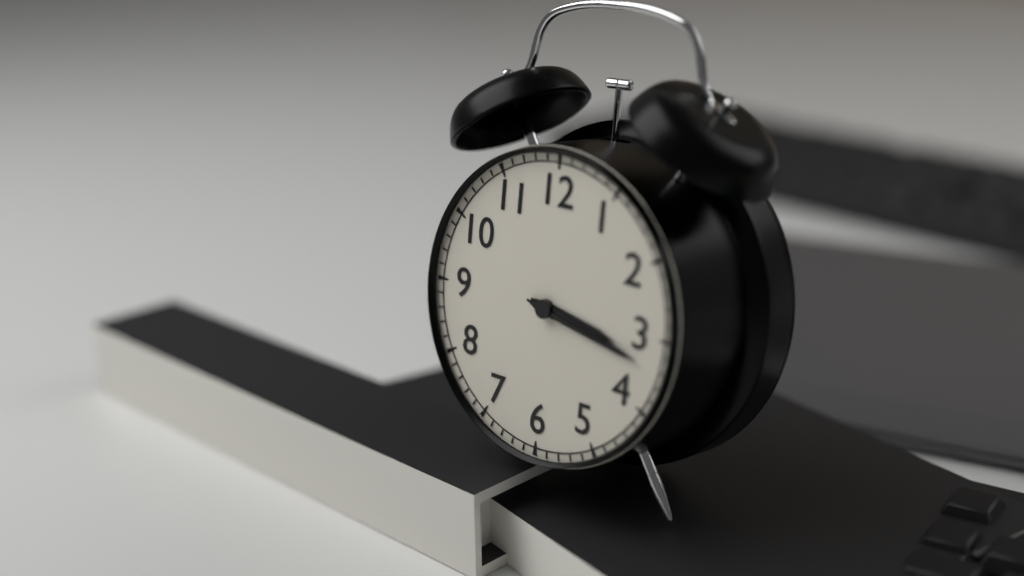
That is 3.17.17
